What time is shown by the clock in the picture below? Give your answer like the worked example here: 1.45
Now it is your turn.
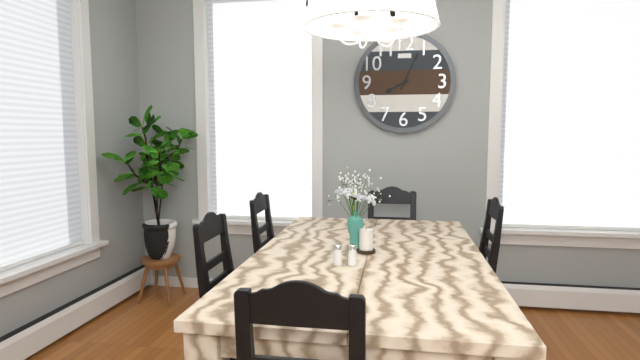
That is 8.04
